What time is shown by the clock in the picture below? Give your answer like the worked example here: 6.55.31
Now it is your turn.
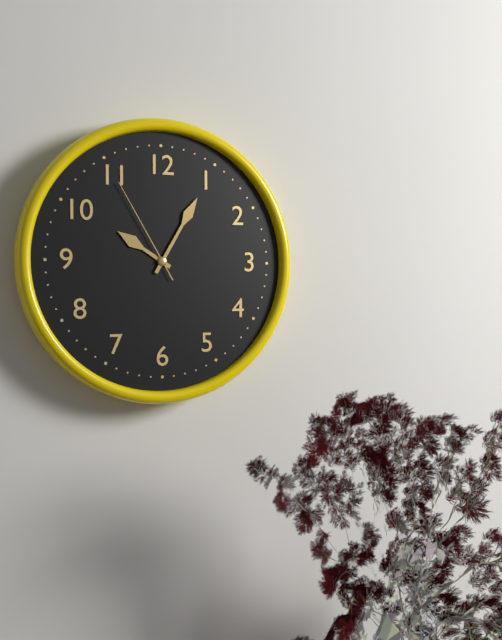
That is 10.05.55
